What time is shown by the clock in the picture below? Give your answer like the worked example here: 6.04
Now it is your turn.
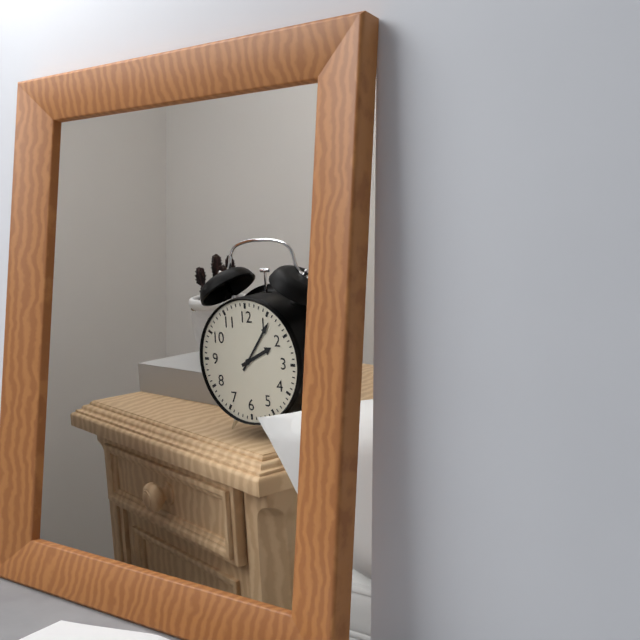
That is 2.06
